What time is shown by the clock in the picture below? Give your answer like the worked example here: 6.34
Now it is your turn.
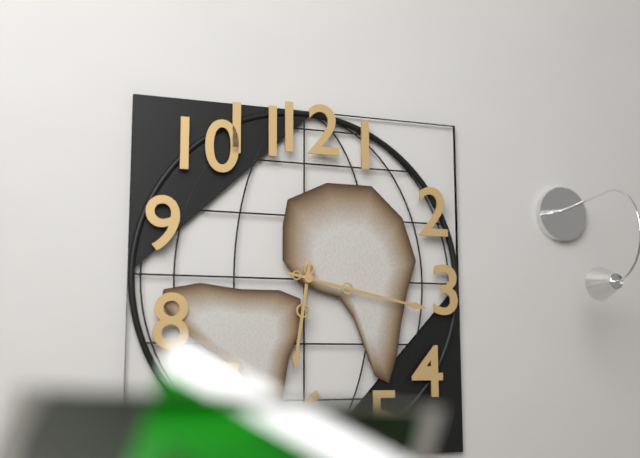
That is 6.17
